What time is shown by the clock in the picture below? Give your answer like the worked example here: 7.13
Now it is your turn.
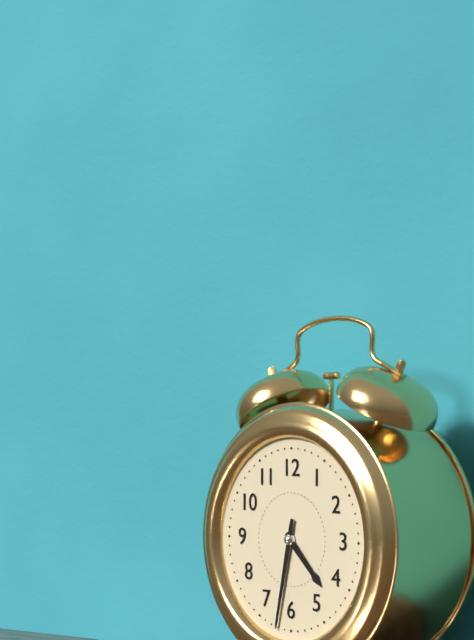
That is 4.32
